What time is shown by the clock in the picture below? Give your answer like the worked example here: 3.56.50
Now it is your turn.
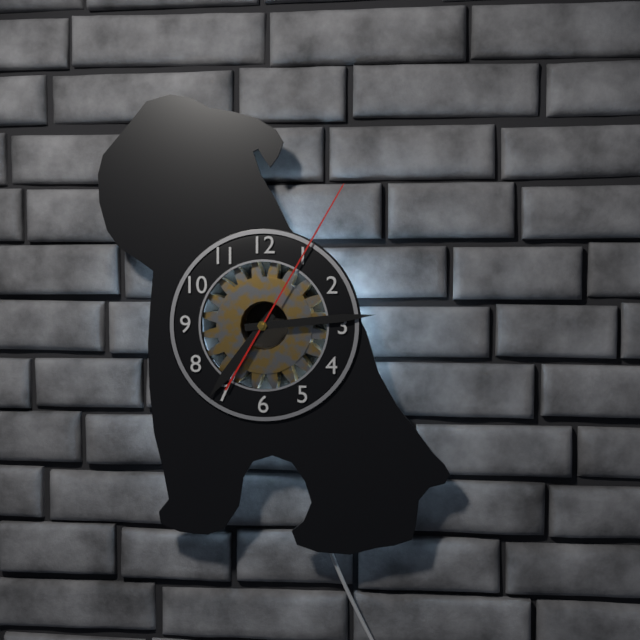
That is 7.14.05
